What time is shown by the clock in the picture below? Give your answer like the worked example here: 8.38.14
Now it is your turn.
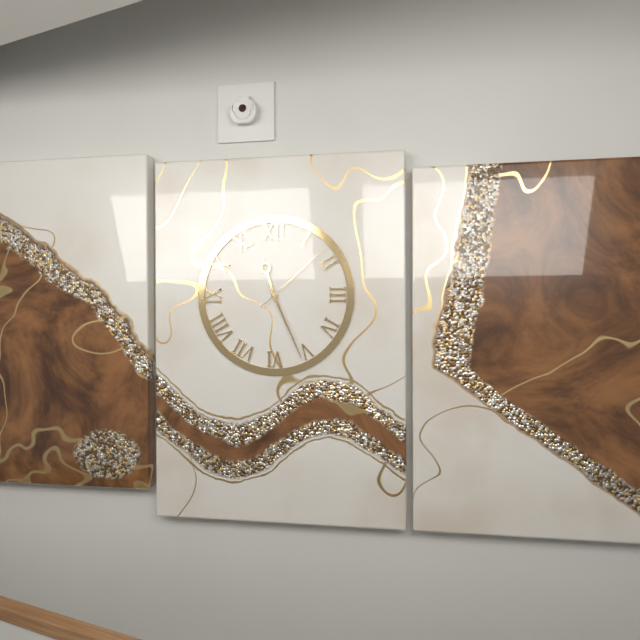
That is 11.26.08
